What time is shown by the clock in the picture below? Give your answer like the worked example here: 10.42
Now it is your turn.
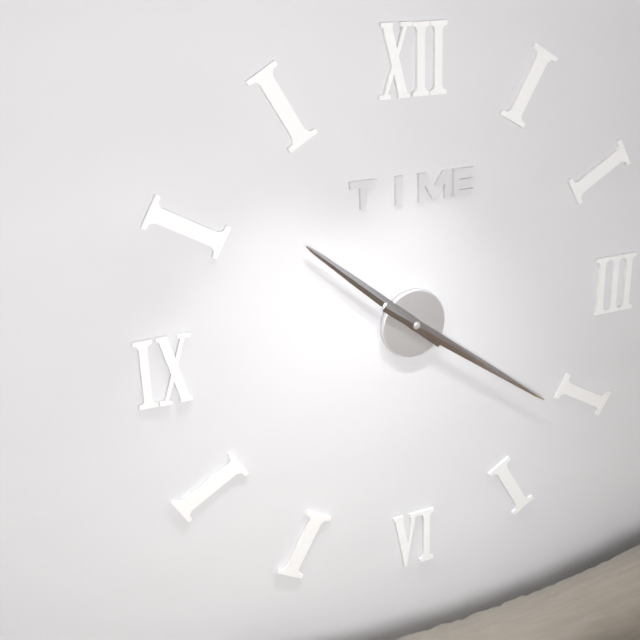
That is 10.21
